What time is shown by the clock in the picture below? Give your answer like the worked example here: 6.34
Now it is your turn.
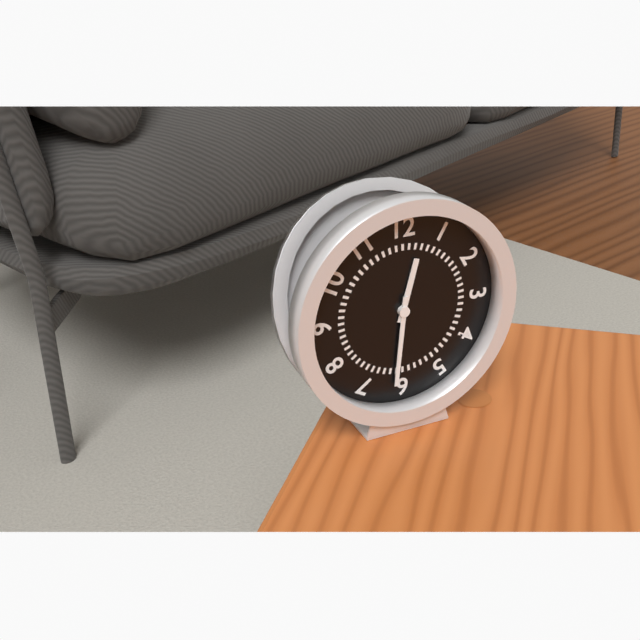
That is 12.31
